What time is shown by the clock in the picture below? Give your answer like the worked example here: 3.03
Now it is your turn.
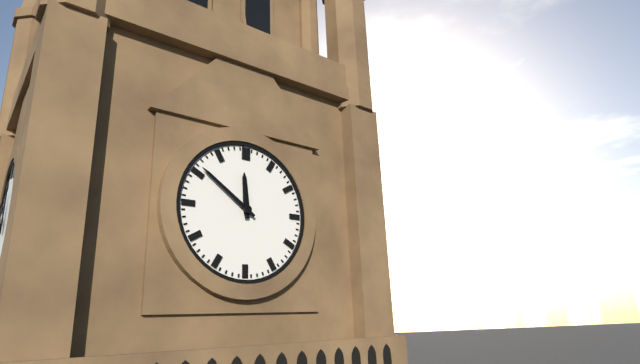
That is 11.51
